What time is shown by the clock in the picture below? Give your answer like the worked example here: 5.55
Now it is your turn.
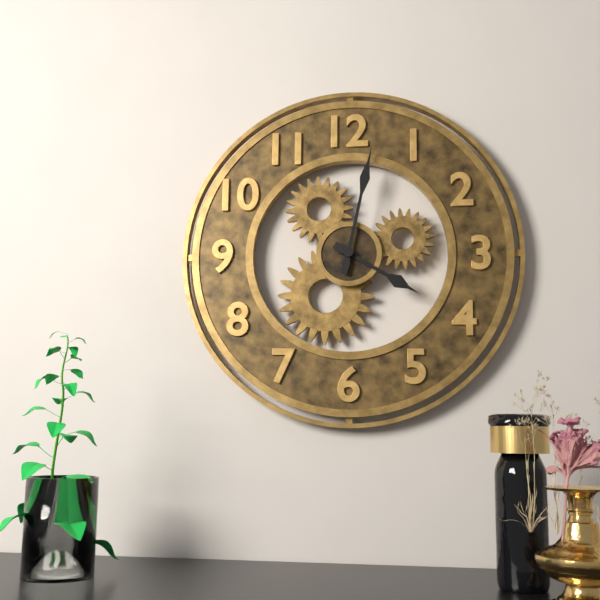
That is 4.02
